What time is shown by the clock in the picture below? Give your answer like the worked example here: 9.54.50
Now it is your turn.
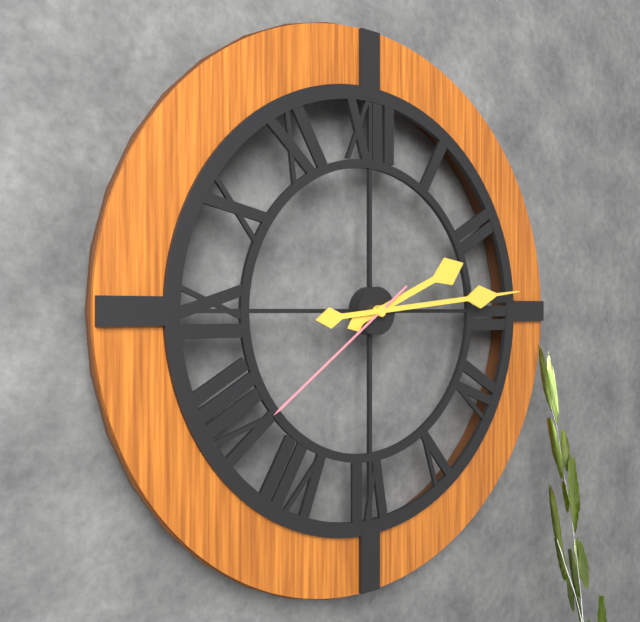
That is 2.14.39
